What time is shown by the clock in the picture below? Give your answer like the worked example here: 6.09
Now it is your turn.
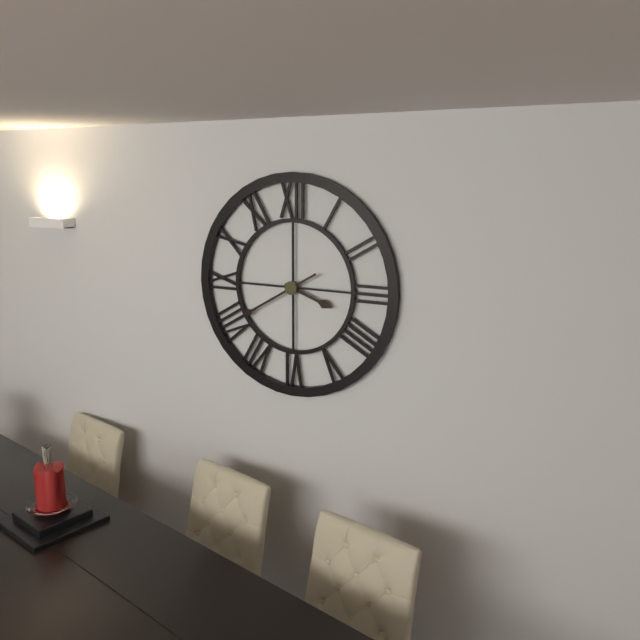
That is 3.40
